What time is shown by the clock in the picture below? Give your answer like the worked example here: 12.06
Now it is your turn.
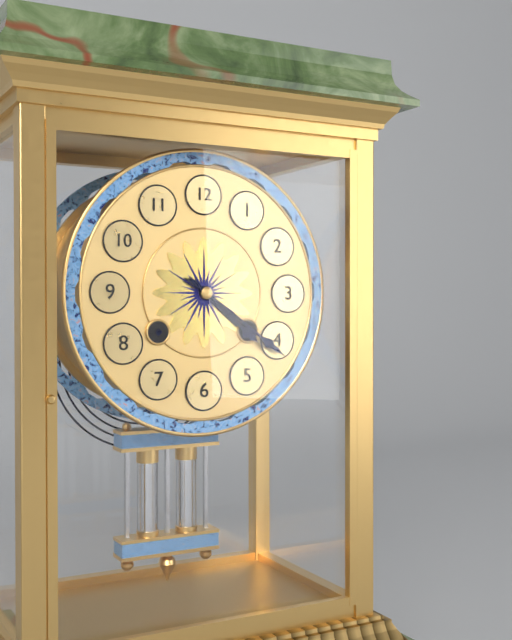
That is 4.21
